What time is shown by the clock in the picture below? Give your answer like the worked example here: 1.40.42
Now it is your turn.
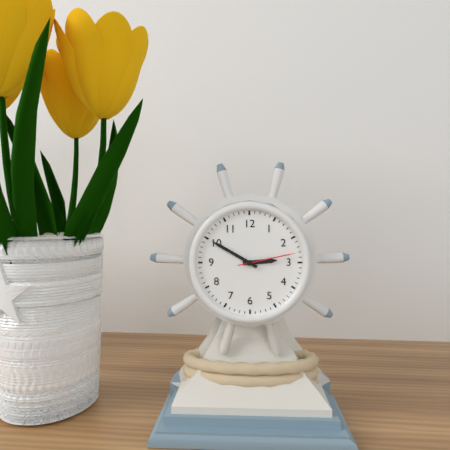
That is 2.50.13
